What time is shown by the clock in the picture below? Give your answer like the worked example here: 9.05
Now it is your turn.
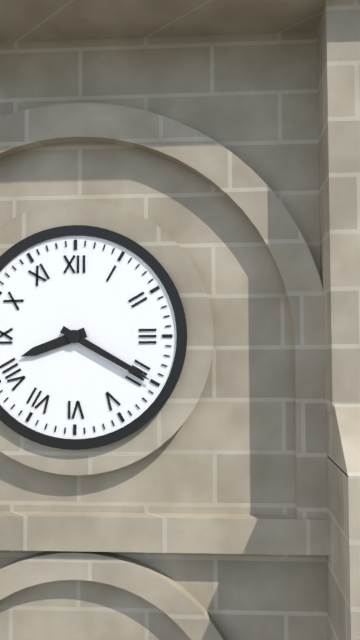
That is 8.20
